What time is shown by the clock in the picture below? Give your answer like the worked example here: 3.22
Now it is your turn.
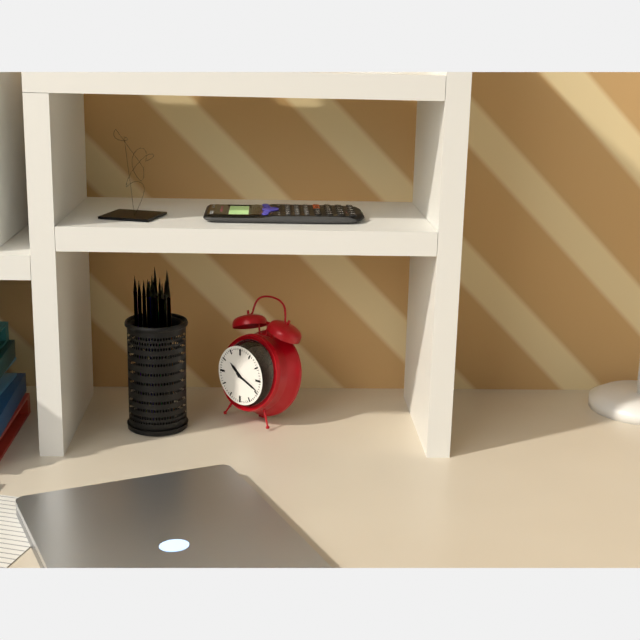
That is 10.19
